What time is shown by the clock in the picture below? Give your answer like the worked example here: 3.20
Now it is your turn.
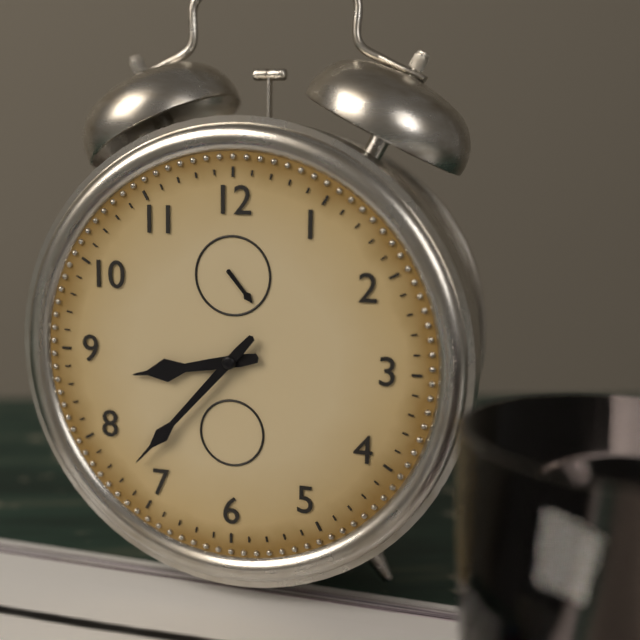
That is 8.37
